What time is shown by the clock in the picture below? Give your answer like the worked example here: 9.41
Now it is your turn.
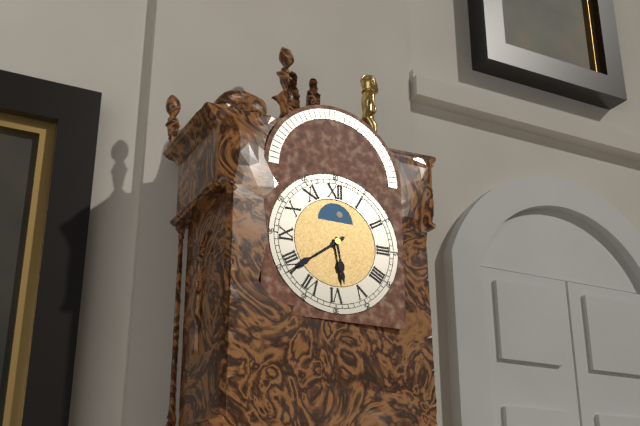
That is 5.39
